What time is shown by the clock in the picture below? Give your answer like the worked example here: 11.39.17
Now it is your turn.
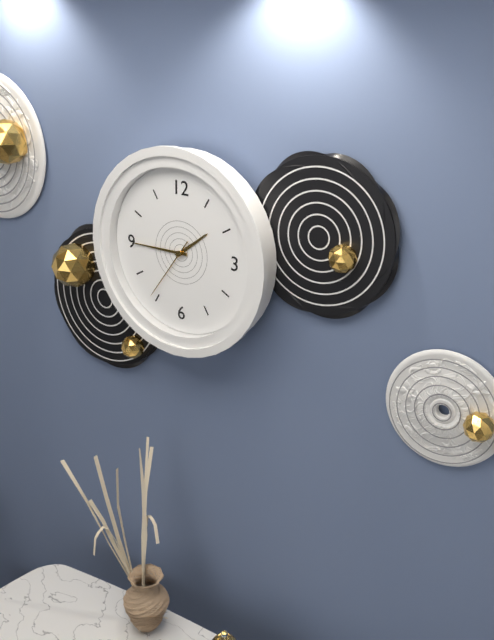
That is 1.45.36
